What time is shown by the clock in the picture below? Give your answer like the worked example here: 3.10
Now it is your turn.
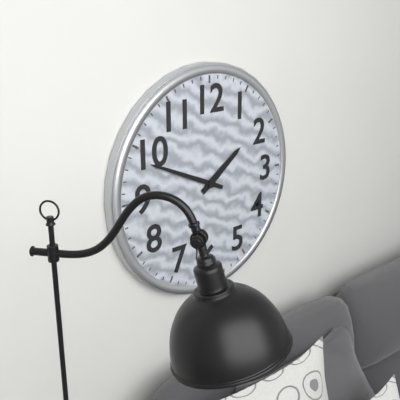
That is 1.49
